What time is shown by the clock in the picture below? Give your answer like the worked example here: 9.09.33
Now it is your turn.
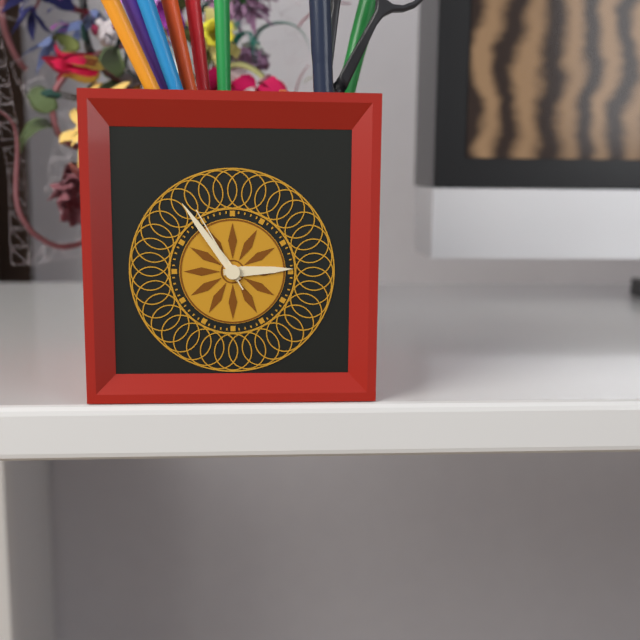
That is 2.54.55
